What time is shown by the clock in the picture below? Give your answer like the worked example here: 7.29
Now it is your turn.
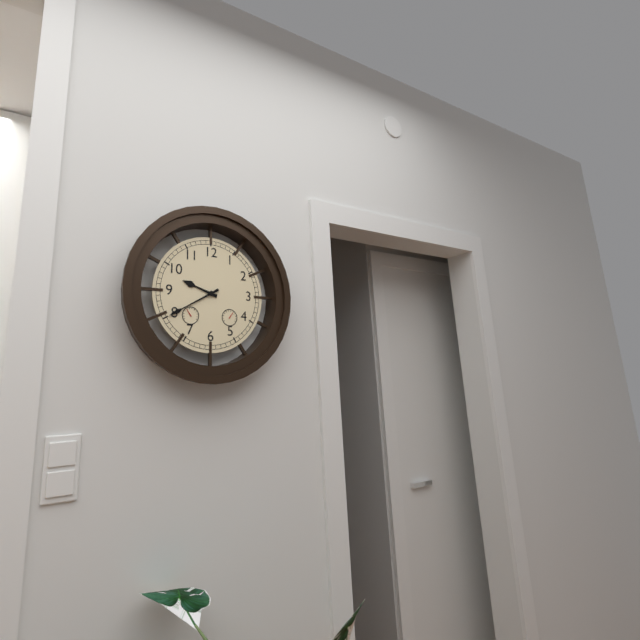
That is 9.40
